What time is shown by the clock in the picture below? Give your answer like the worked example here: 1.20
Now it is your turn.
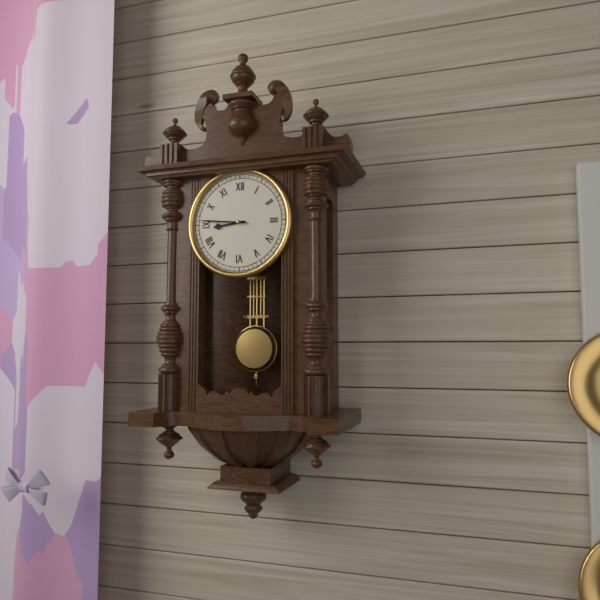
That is 8.46
